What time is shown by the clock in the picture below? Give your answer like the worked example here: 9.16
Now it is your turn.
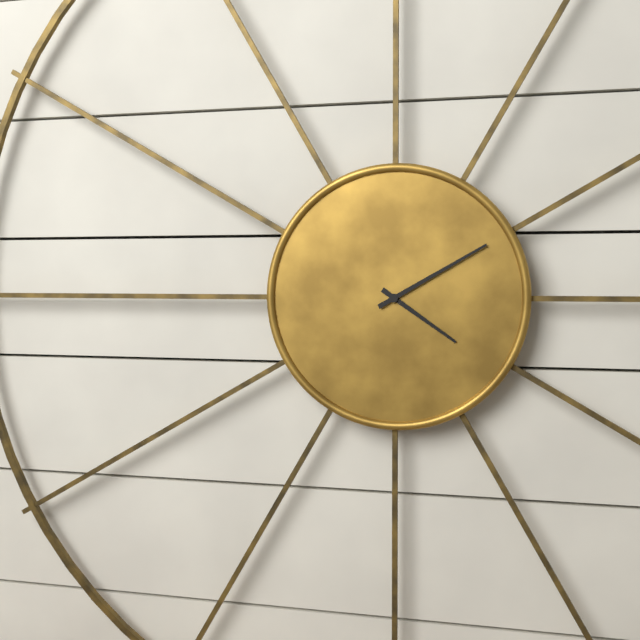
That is 4.10
